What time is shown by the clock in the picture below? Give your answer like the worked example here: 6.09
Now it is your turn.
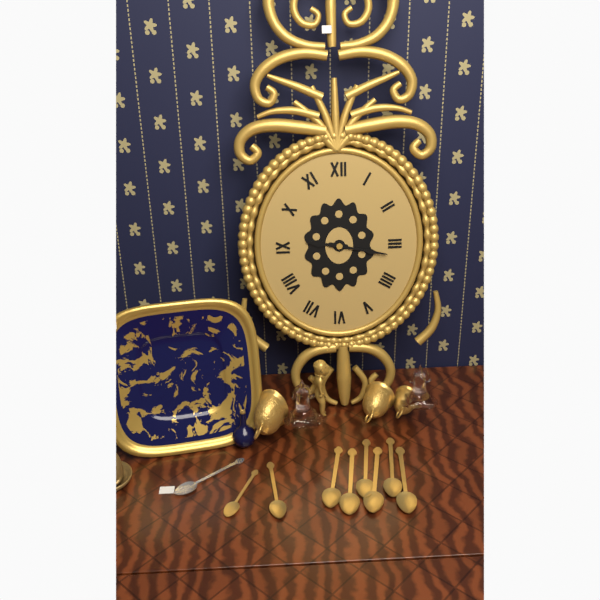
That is 9.17
